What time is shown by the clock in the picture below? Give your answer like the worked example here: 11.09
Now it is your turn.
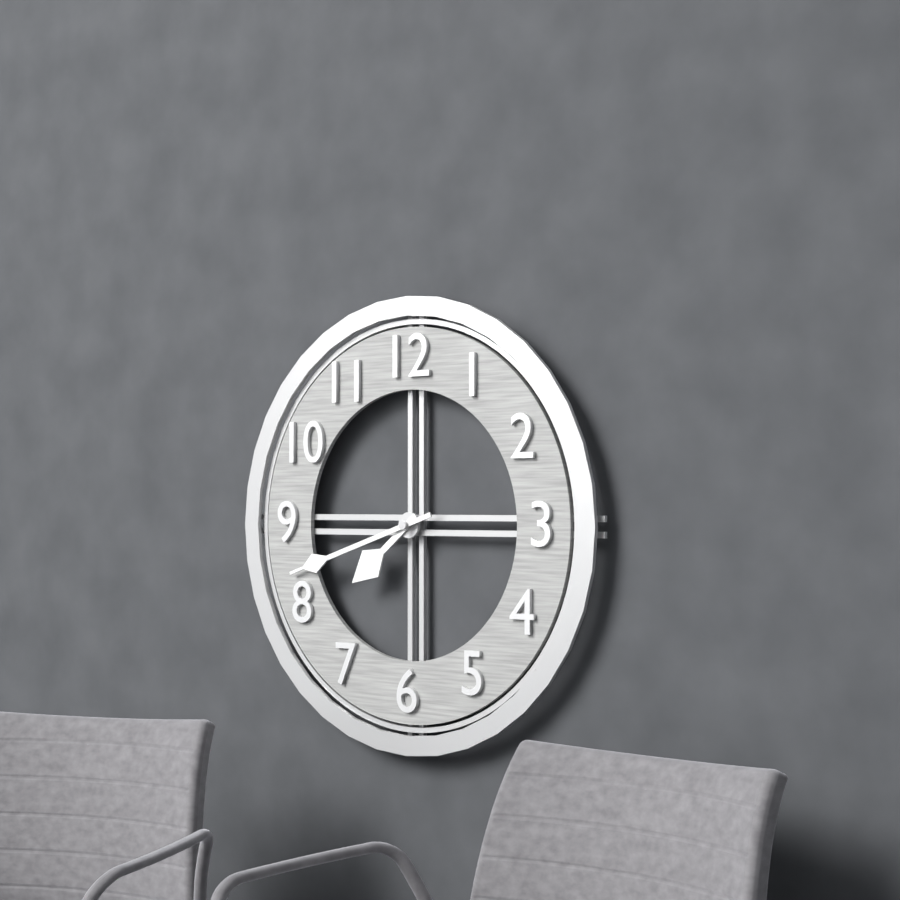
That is 7.42
